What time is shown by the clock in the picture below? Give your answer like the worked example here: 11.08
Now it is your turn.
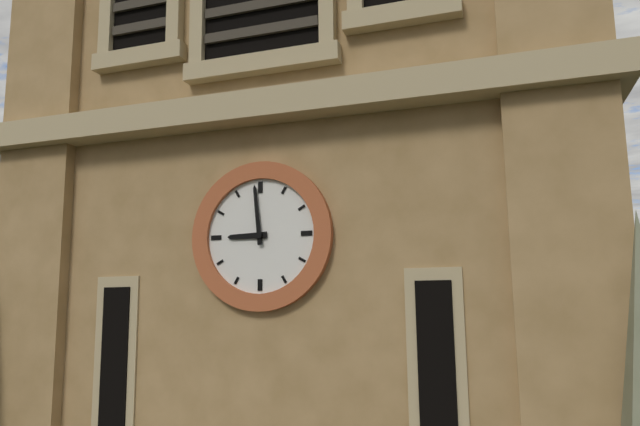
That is 8.59
